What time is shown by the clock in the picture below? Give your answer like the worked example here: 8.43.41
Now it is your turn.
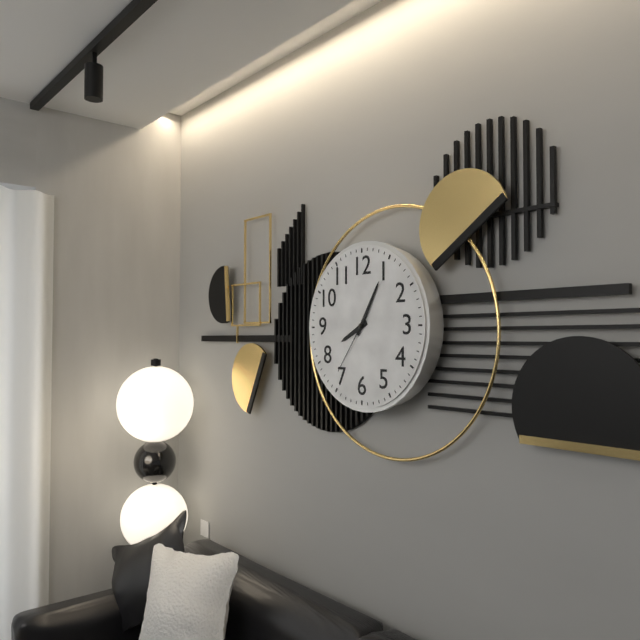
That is 8.05.36
